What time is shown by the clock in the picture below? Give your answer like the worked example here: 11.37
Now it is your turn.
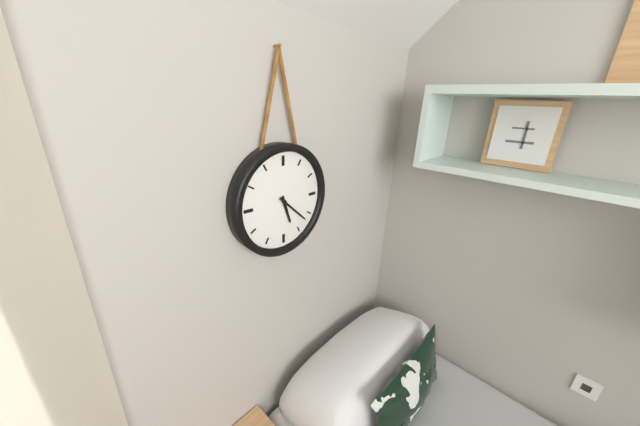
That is 5.22
